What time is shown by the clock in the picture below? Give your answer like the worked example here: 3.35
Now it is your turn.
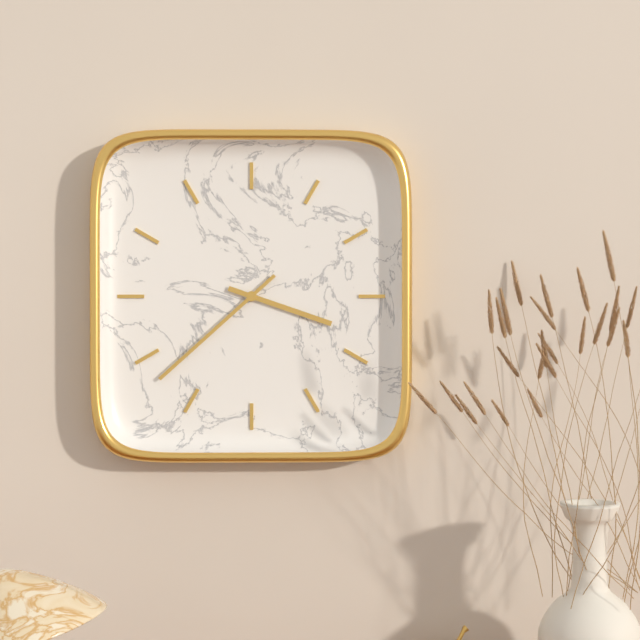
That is 3.38
